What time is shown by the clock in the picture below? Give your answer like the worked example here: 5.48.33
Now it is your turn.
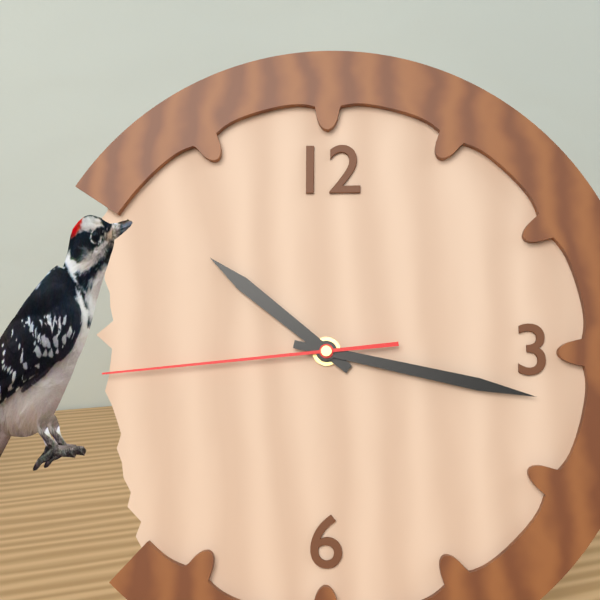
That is 10.17.44
